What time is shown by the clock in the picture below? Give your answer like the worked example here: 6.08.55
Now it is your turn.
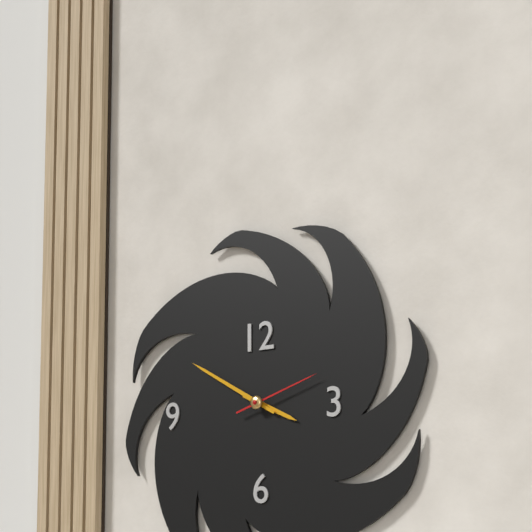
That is 3.50.12
